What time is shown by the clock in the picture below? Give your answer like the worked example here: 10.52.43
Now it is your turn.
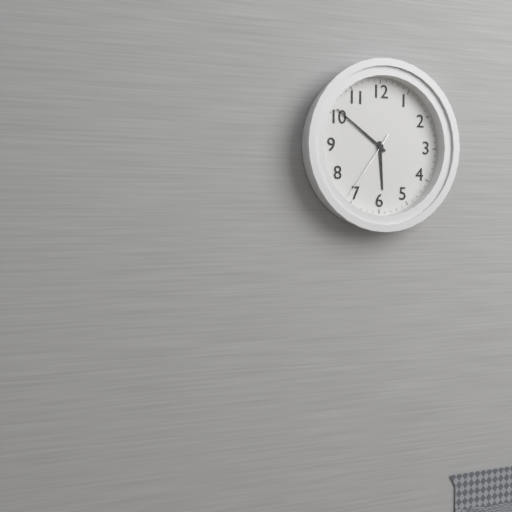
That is 5.51.36
